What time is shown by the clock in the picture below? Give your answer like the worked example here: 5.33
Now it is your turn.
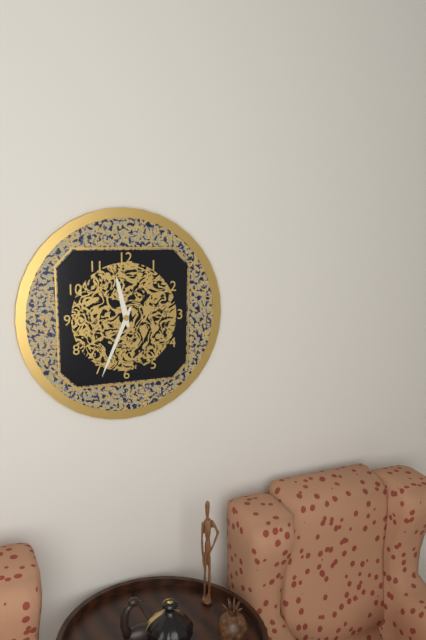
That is 11.34
